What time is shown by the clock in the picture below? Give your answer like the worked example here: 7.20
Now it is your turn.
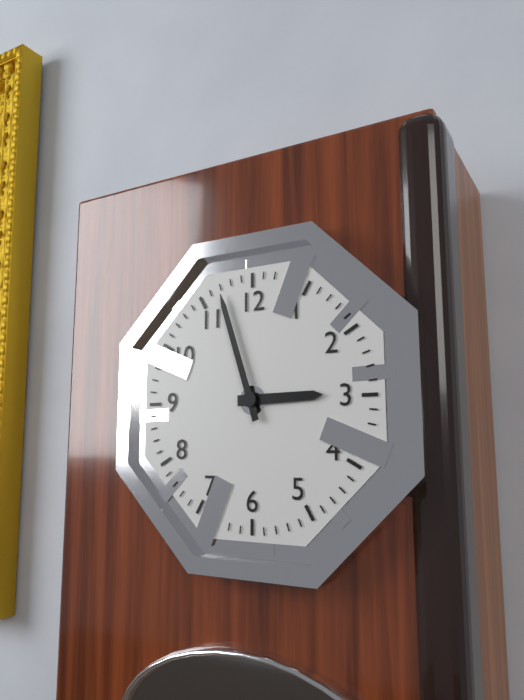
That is 2.57
